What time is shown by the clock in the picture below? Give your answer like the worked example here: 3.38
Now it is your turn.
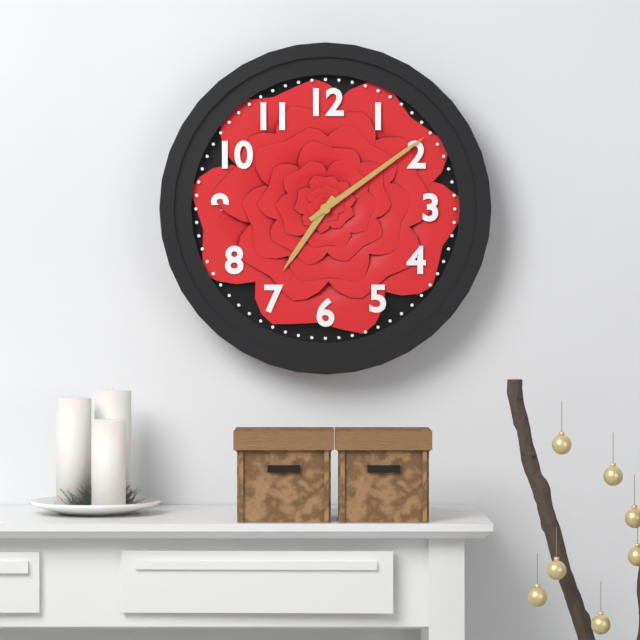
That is 7.09
